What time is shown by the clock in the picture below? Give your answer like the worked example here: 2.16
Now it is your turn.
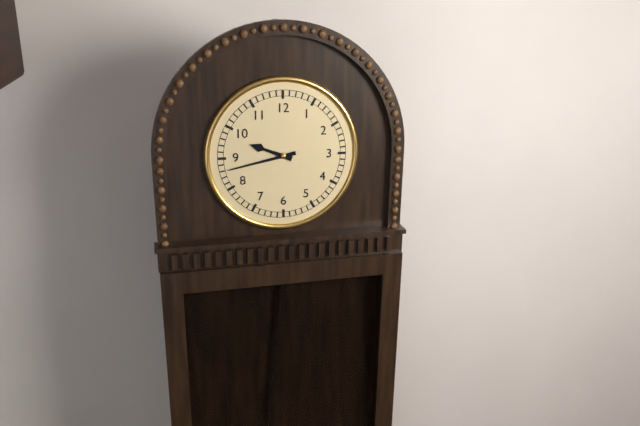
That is 9.43
